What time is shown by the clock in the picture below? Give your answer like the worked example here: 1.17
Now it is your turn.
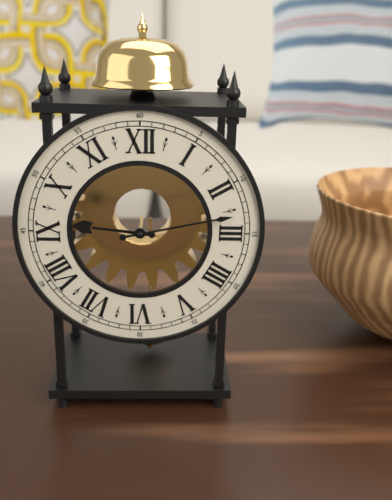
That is 9.13
